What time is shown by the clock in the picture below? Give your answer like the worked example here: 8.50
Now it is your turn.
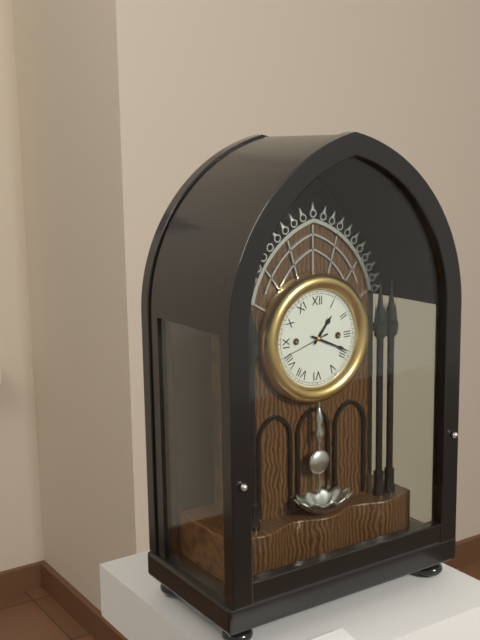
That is 1.19
